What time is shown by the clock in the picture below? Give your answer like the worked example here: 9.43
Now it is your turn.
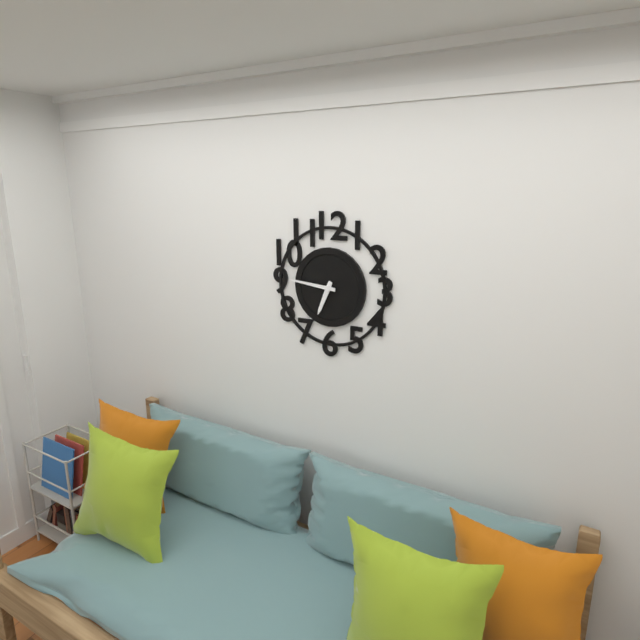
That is 6.46
